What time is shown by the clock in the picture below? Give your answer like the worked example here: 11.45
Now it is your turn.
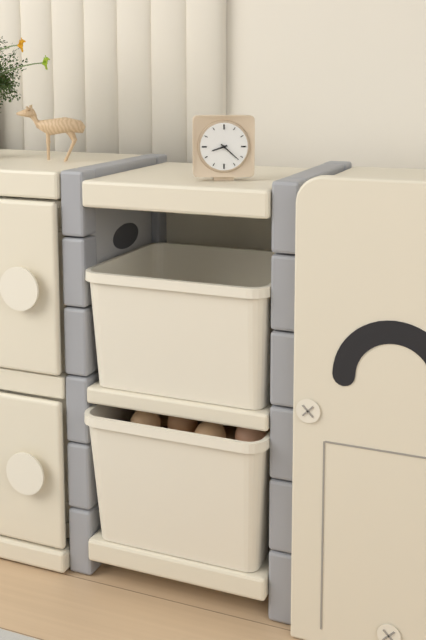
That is 8.22
